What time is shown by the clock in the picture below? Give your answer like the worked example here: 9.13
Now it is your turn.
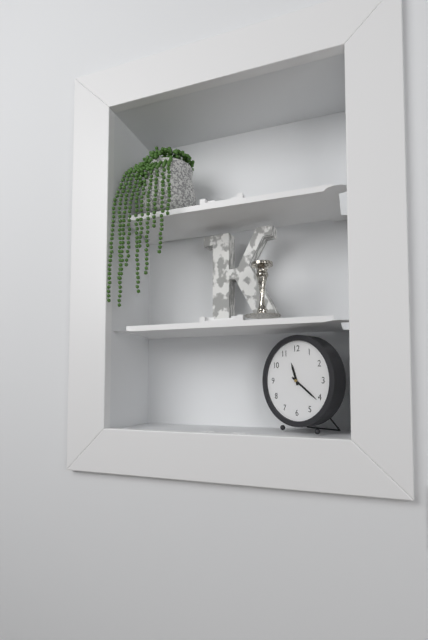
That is 11.21
